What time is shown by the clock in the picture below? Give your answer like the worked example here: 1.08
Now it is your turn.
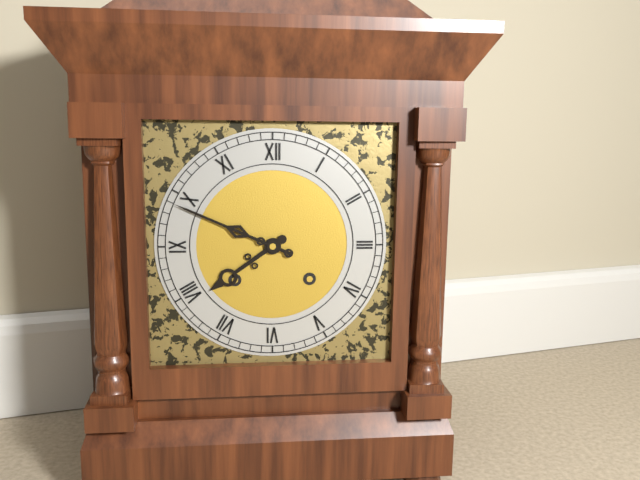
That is 7.49
